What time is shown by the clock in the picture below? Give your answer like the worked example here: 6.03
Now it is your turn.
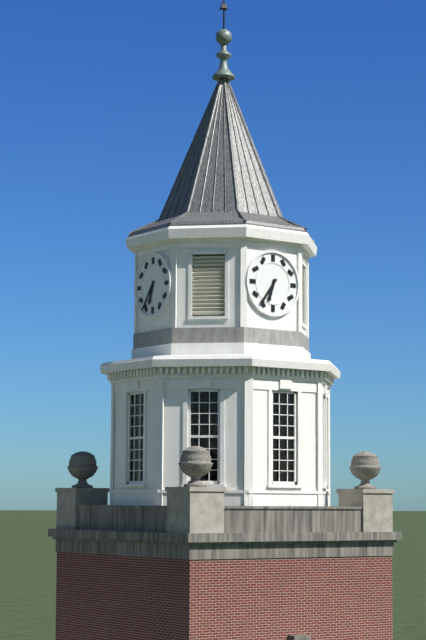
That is 6.36
